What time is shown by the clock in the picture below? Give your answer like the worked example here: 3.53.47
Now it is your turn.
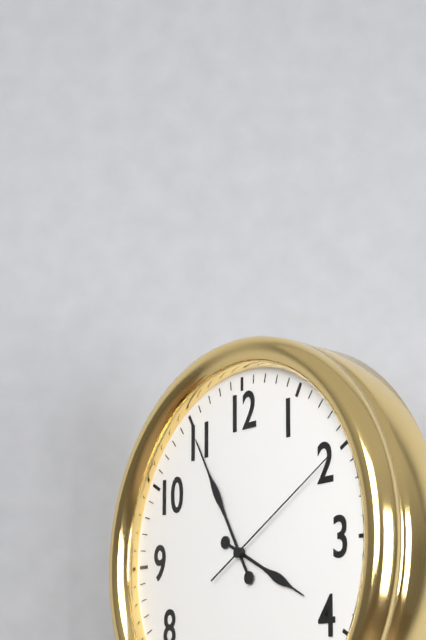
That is 3.55.10
